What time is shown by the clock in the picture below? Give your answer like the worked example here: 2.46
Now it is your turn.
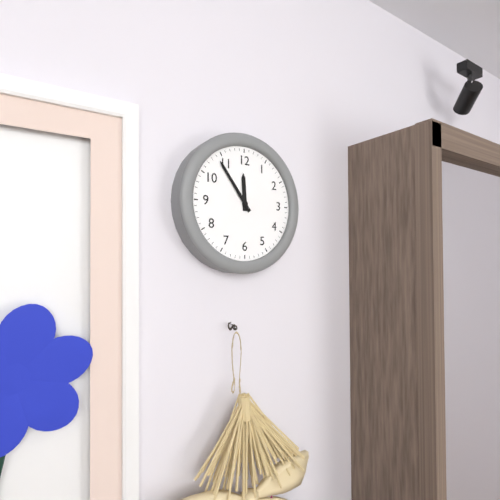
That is 11.54
